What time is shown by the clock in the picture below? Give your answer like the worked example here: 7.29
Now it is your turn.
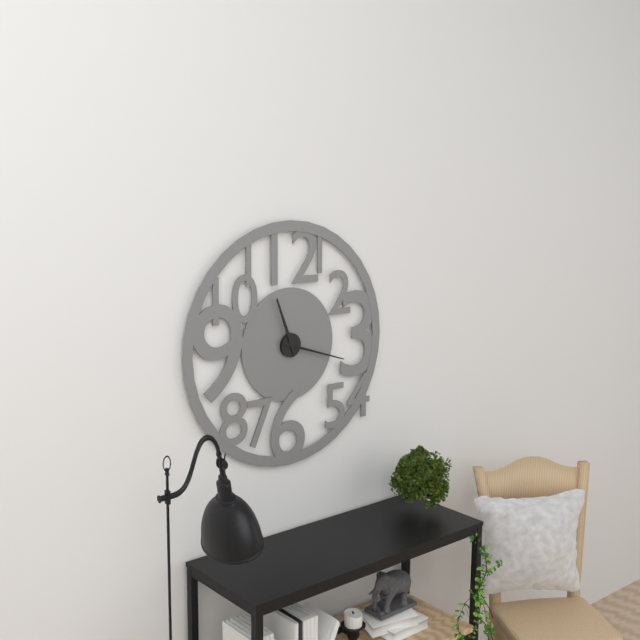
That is 11.18
